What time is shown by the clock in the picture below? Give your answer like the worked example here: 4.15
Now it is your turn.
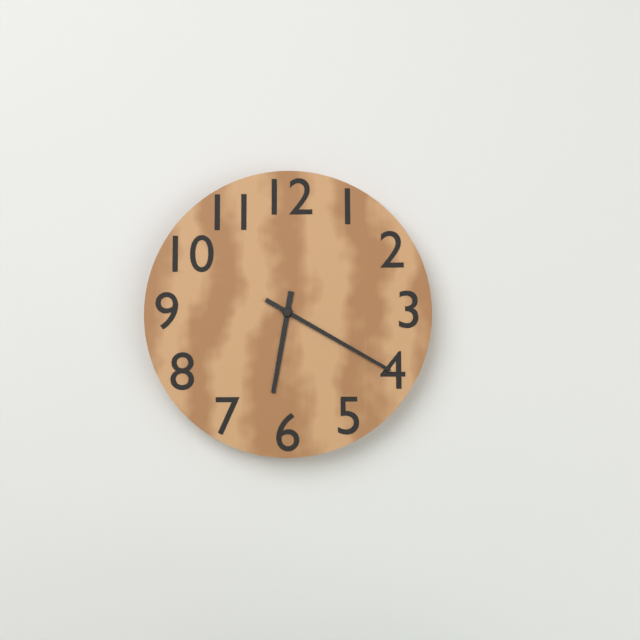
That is 6.20
